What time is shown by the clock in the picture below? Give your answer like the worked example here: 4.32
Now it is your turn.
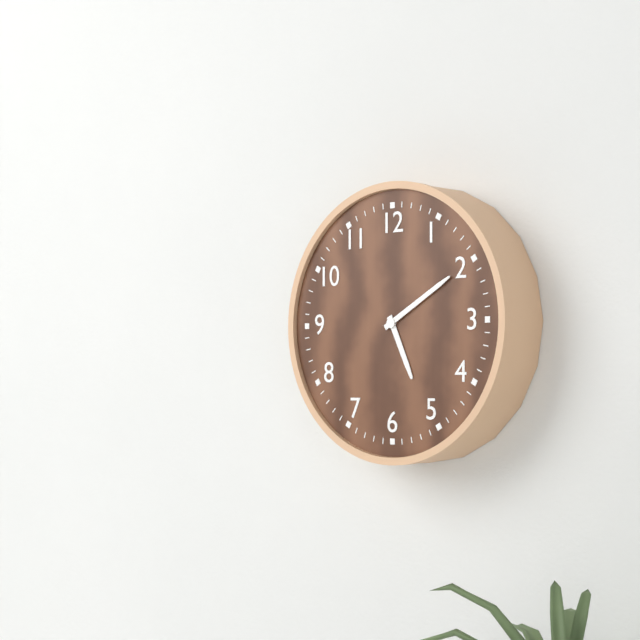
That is 5.10
